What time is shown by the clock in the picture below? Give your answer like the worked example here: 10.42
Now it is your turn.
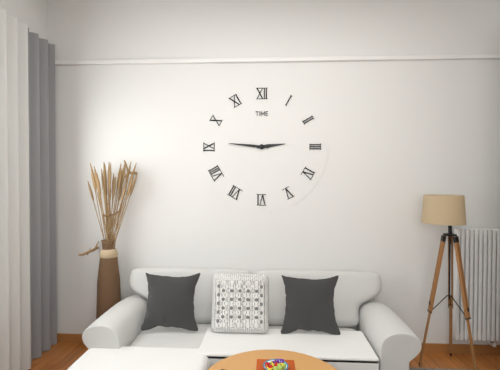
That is 2.46
